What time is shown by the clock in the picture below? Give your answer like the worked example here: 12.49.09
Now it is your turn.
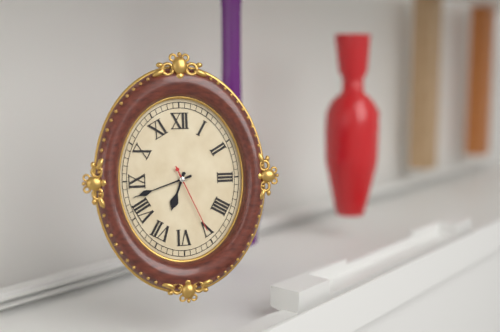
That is 6.42.26
